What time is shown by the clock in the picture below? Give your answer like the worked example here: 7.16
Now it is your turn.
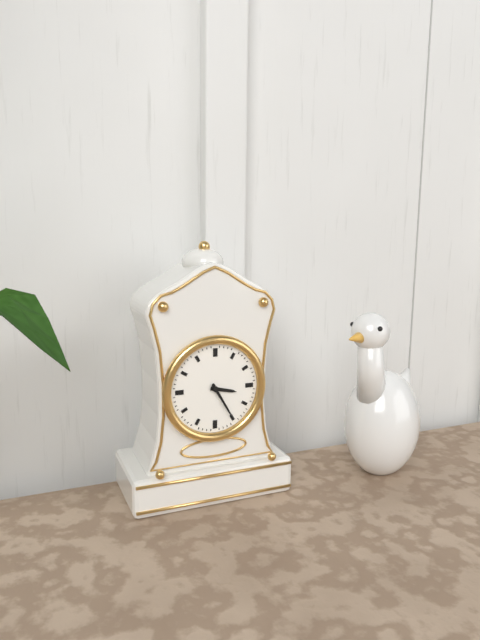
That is 3.25
